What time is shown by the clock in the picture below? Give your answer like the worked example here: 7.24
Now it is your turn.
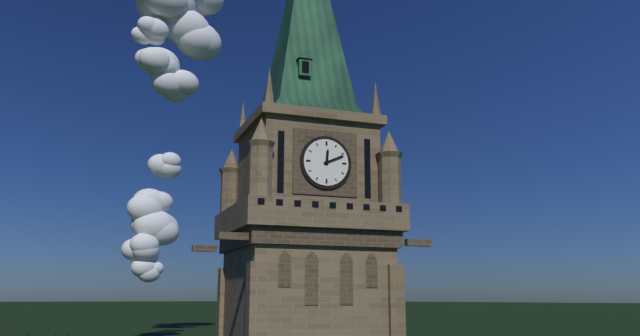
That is 12.11
